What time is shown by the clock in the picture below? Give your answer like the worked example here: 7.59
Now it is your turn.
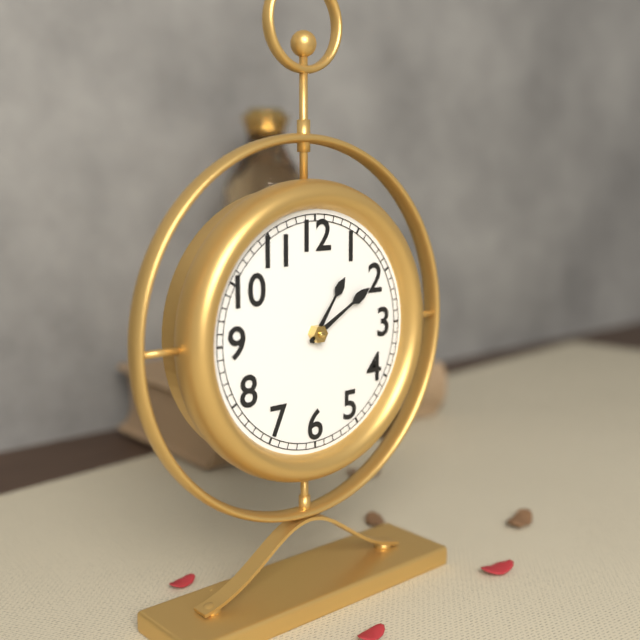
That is 1.10
